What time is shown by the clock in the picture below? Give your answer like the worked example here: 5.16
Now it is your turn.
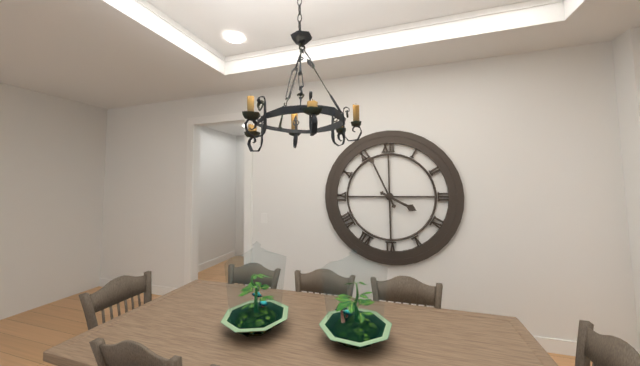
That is 3.56
